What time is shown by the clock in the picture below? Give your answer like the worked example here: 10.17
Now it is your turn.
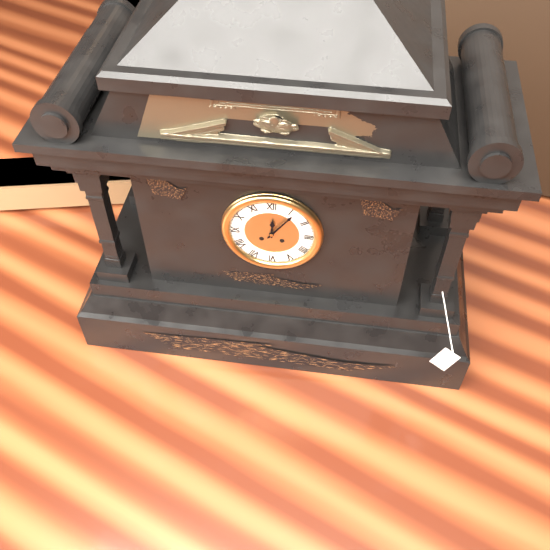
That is 12.06
